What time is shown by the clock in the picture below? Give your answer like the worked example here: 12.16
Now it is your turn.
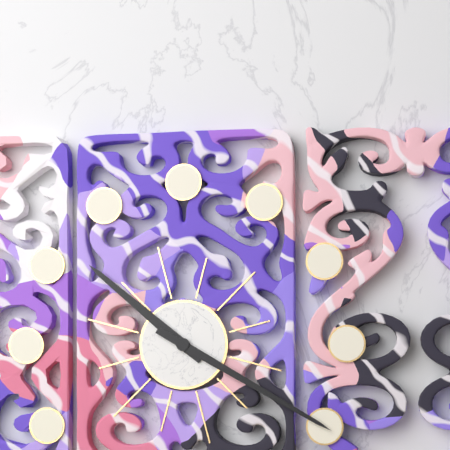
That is 10.20
